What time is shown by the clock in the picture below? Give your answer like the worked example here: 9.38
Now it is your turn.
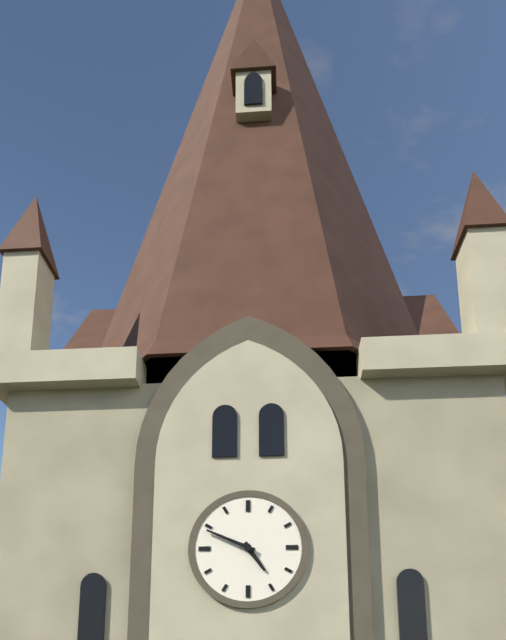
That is 4.49
